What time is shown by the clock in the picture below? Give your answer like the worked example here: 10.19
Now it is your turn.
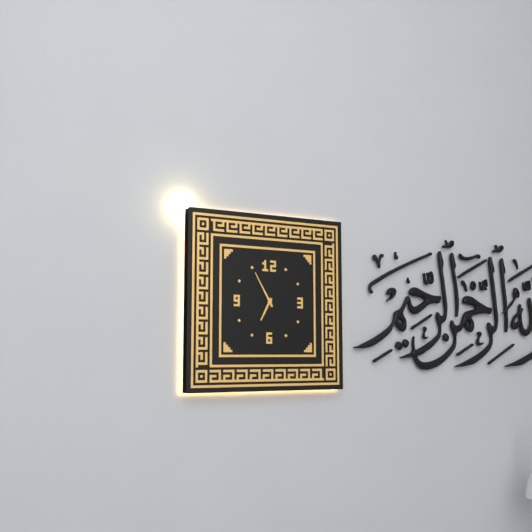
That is 6.55
